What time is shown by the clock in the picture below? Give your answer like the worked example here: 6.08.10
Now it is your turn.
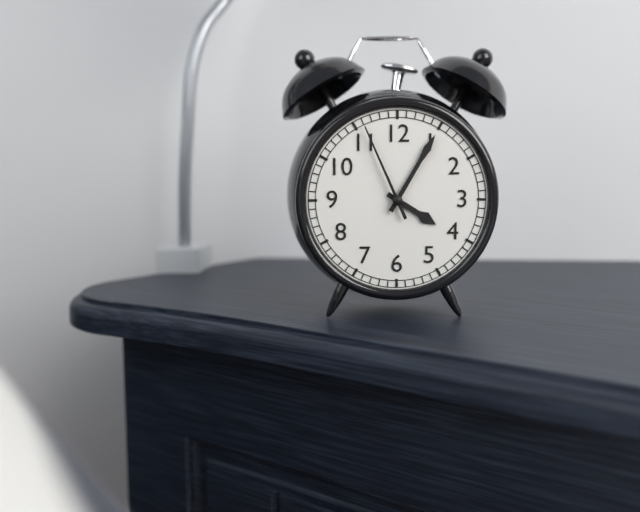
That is 4.05.56
